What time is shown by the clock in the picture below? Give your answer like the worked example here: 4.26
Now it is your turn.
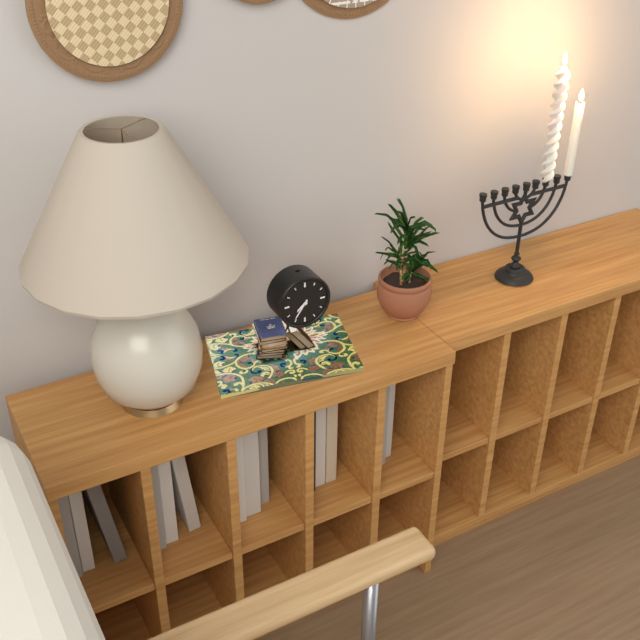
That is 7.36
